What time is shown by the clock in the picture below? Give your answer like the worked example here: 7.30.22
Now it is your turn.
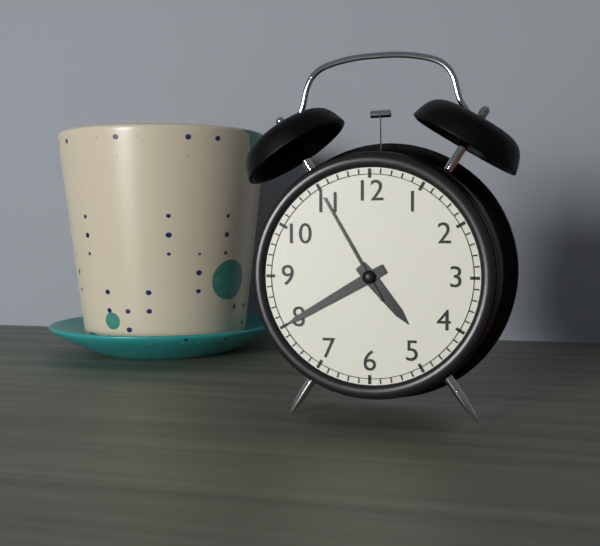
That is 4.40.55
